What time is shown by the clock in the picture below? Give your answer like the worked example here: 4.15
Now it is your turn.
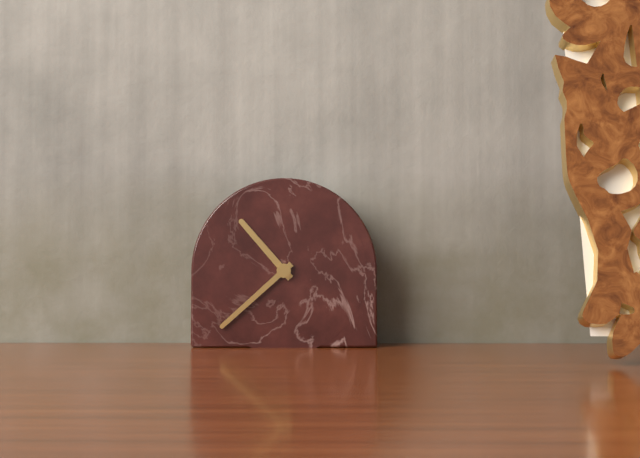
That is 10.38
